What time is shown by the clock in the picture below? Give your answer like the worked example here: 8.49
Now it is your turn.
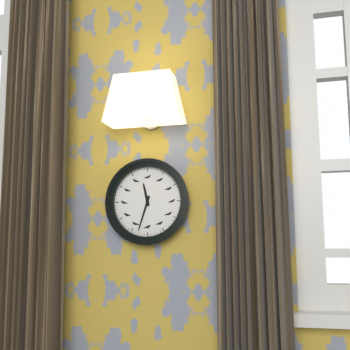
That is 11.33
